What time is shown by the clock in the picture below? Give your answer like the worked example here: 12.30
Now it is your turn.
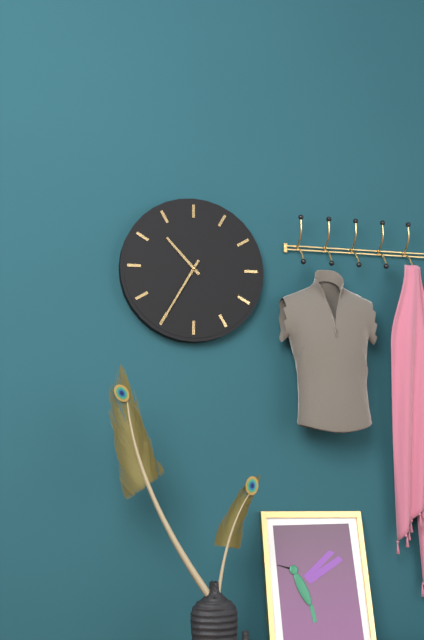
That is 10.35
